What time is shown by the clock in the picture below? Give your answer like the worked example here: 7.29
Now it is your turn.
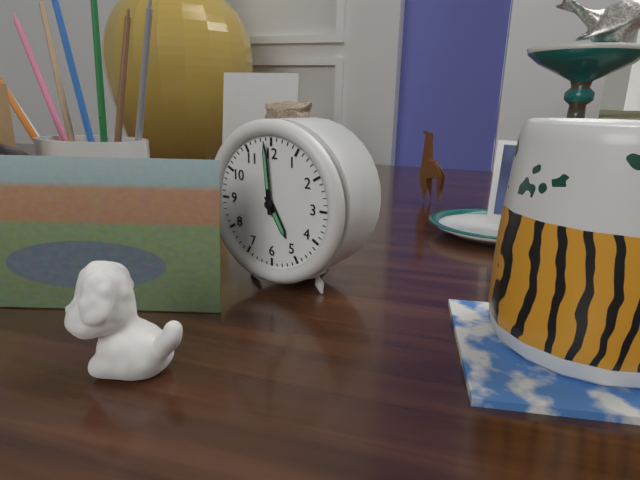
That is 4.59
